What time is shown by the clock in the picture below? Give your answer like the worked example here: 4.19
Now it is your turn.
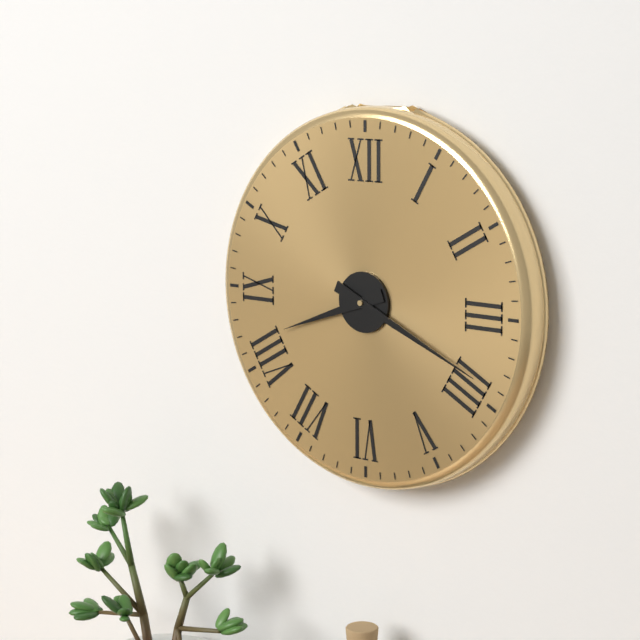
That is 8.19
